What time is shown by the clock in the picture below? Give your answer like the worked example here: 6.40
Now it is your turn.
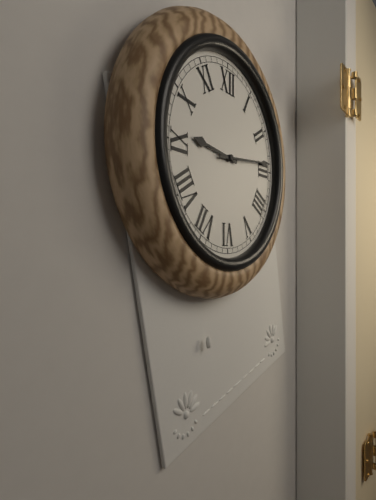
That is 9.14
